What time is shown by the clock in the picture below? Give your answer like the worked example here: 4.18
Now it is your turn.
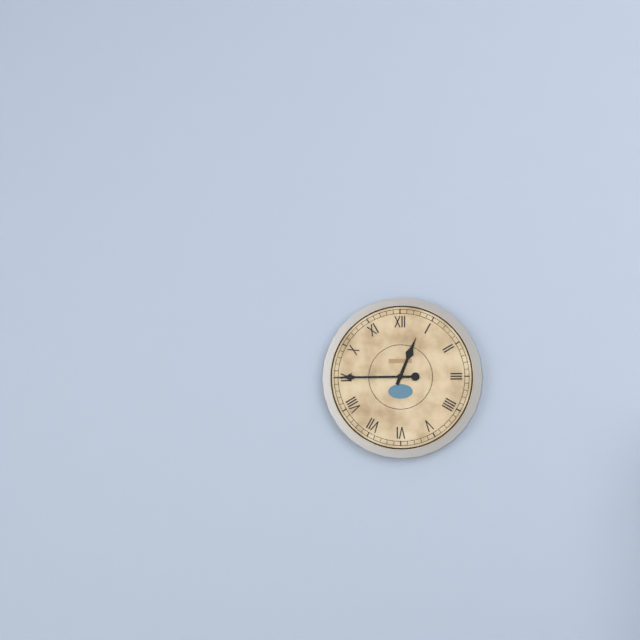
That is 12.45
